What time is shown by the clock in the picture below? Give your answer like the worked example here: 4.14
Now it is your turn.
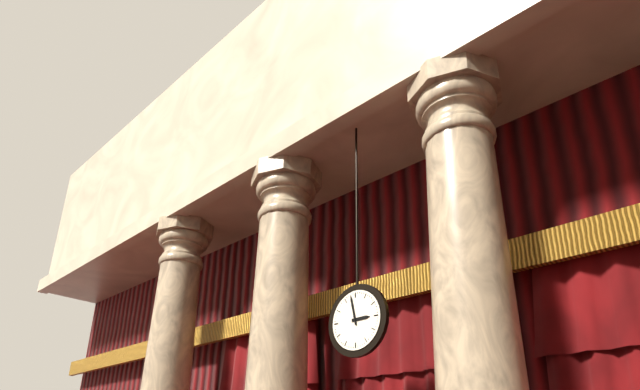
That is 2.58
